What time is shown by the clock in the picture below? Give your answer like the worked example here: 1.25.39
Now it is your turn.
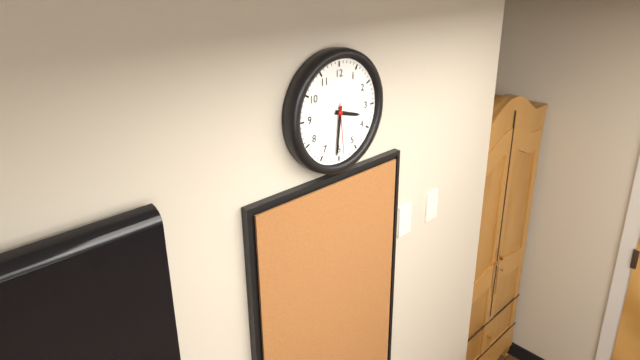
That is 3.31.29
